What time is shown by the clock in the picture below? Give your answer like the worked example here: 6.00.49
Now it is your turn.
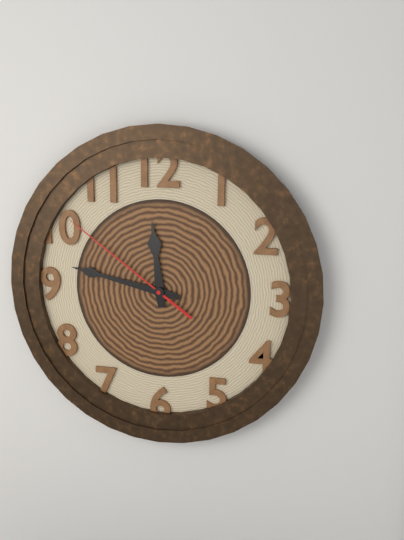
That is 11.47.51
